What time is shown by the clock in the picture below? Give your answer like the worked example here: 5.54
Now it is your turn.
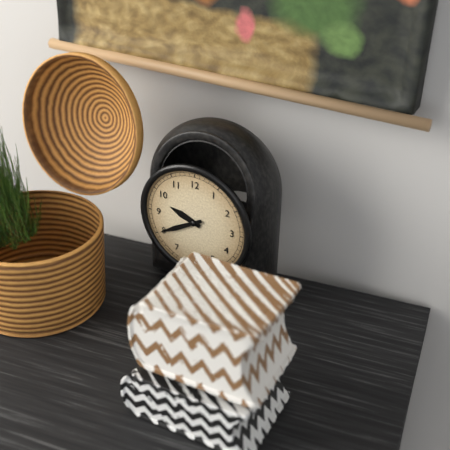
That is 9.40
